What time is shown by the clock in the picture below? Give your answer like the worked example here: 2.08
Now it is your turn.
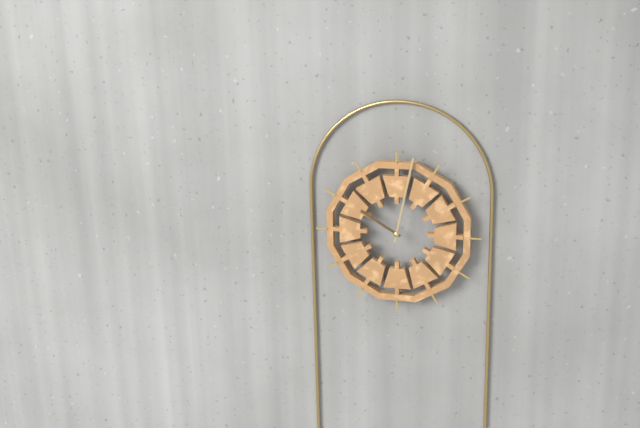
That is 10.02
